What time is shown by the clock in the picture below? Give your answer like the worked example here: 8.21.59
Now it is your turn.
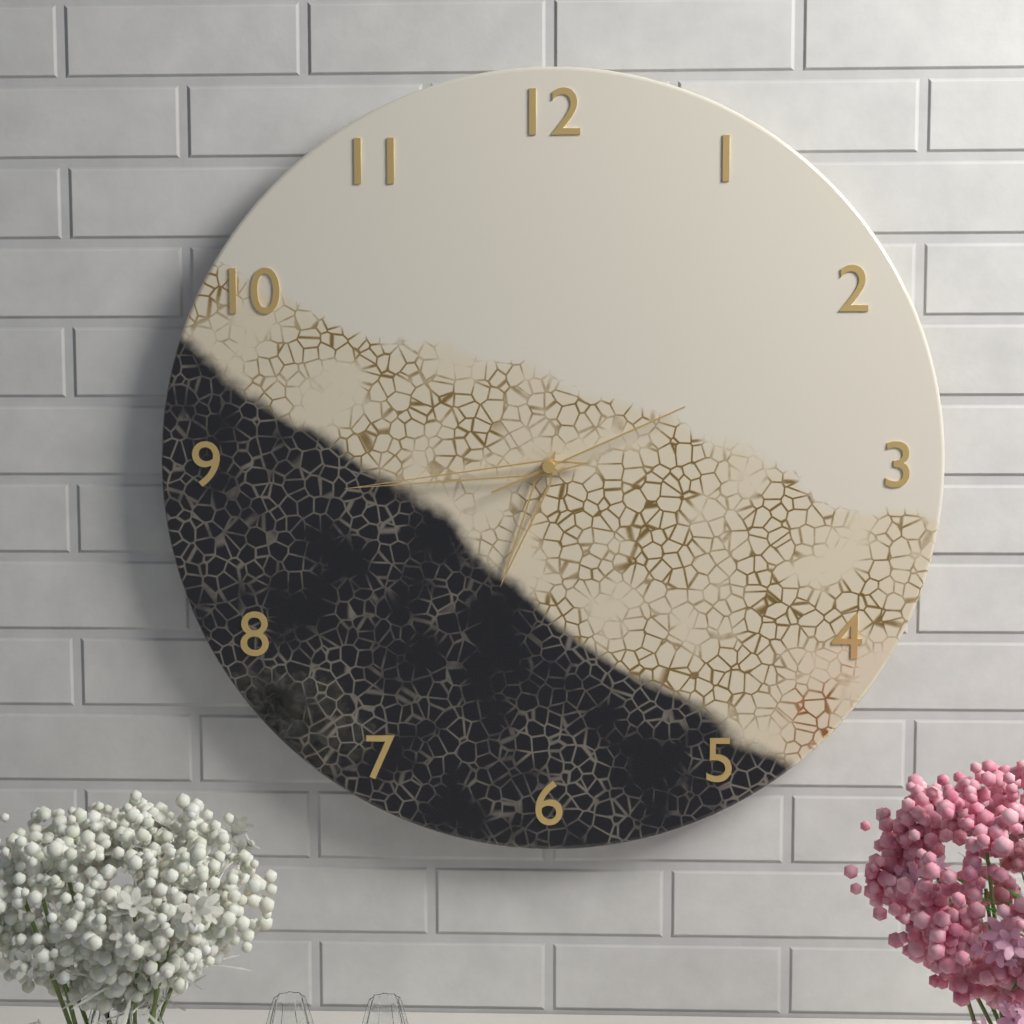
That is 6.44.11
